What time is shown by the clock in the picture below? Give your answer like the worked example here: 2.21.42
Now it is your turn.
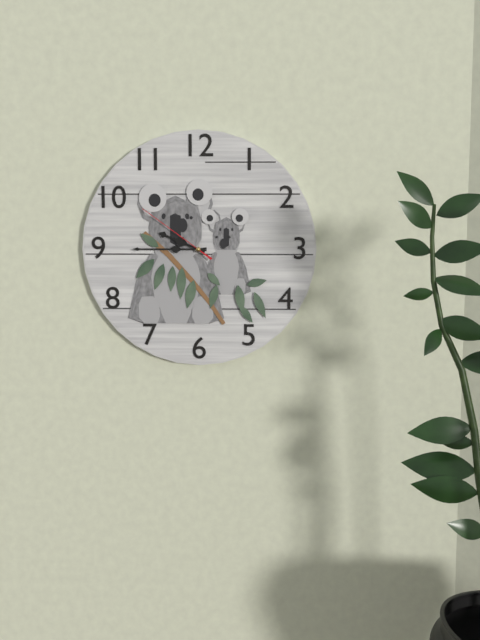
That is 9.45.51
